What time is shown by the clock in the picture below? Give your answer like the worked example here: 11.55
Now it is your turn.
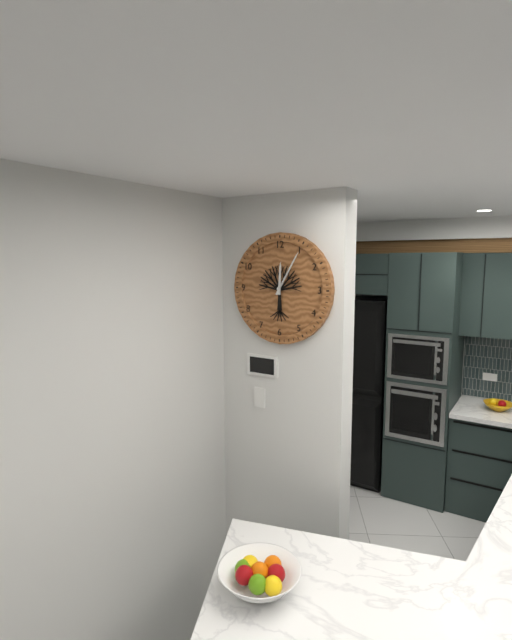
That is 12.05
